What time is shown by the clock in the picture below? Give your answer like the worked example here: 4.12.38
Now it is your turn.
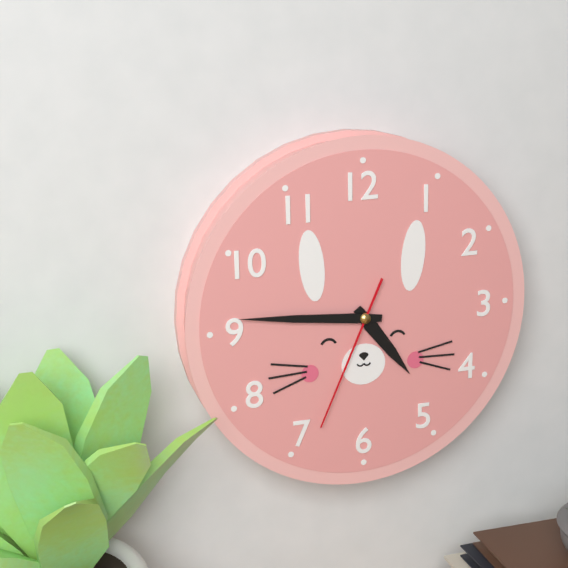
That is 4.46.34
